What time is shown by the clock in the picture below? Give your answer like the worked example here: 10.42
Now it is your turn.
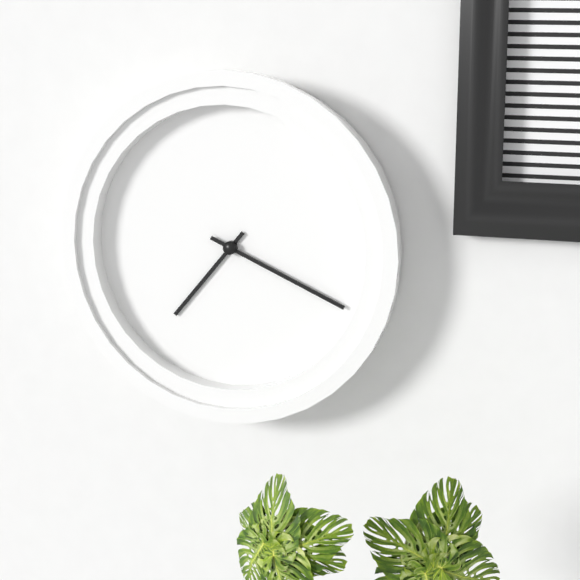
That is 7.19
